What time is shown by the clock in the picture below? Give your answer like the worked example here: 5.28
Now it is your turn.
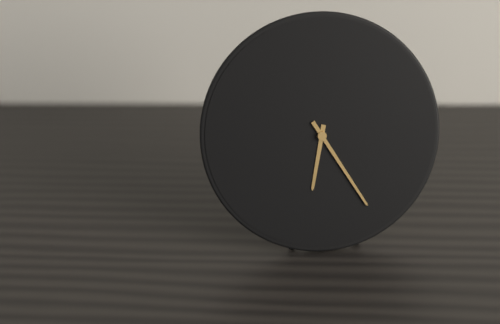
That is 6.25
